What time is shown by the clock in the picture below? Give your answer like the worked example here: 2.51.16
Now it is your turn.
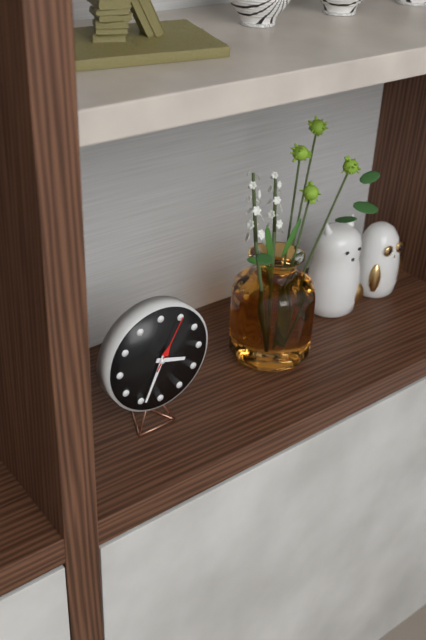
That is 3.34.05
